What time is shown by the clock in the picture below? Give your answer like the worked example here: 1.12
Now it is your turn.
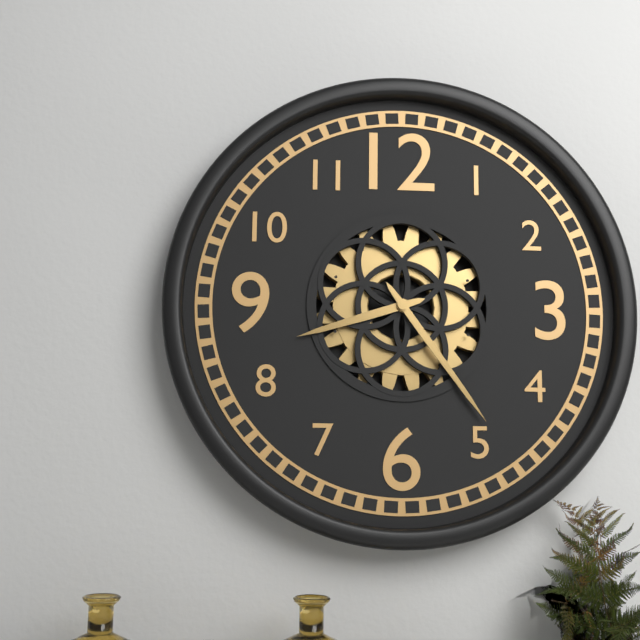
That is 8.24
